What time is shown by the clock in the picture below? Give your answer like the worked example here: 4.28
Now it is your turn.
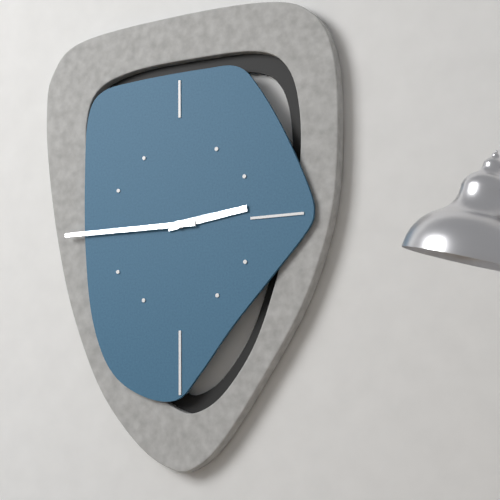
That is 2.45
